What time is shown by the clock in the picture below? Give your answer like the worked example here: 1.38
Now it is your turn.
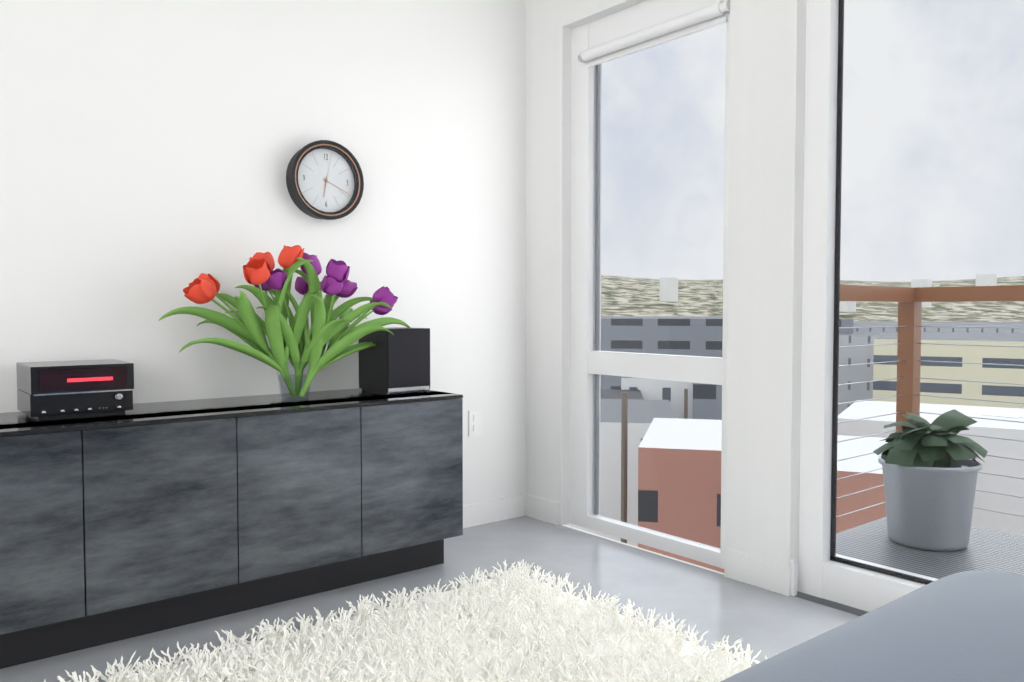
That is 6.19
